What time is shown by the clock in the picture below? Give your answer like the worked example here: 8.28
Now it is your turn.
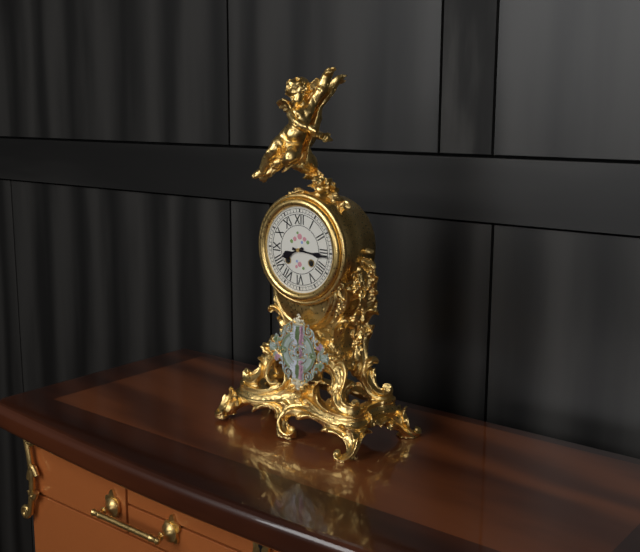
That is 8.16
